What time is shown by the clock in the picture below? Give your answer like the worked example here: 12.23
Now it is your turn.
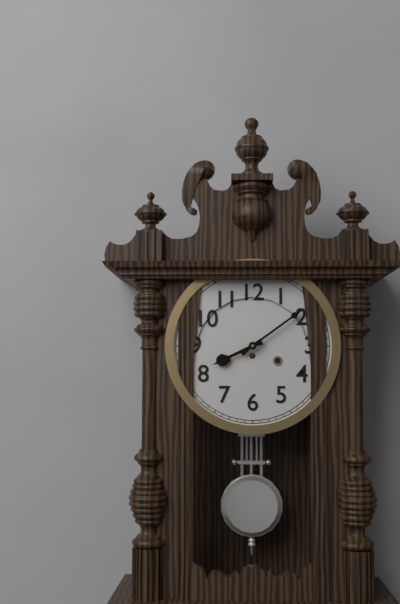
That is 8.09
